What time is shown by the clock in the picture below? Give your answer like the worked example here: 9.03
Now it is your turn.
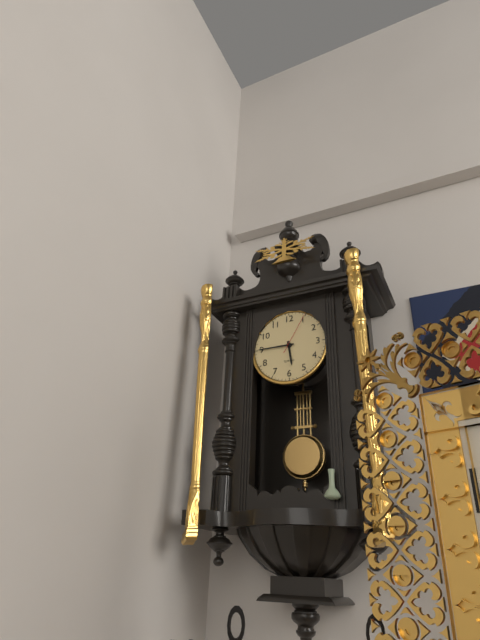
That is 5.45
